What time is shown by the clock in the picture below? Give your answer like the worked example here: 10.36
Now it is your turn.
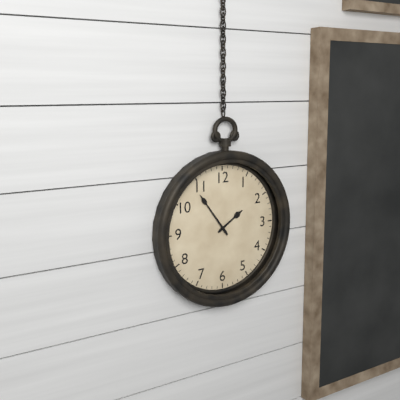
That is 1.54
